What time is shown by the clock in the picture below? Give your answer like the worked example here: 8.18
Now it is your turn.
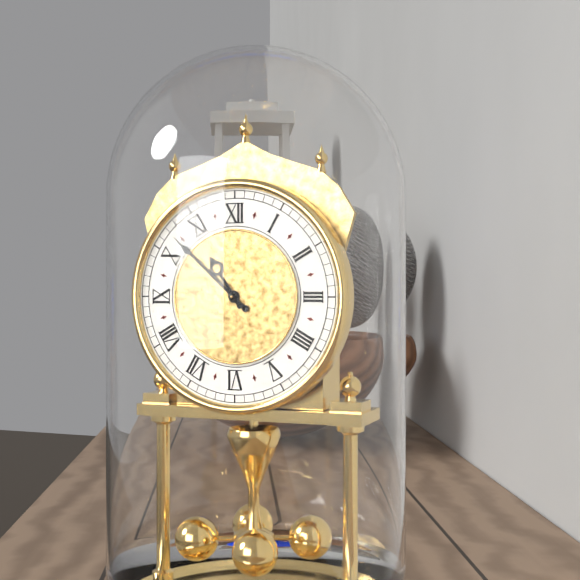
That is 10.52
